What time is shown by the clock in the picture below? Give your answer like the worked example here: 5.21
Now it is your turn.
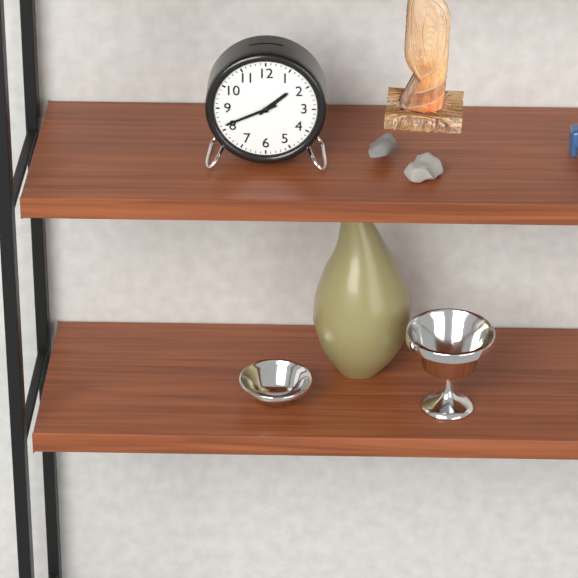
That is 1.41
